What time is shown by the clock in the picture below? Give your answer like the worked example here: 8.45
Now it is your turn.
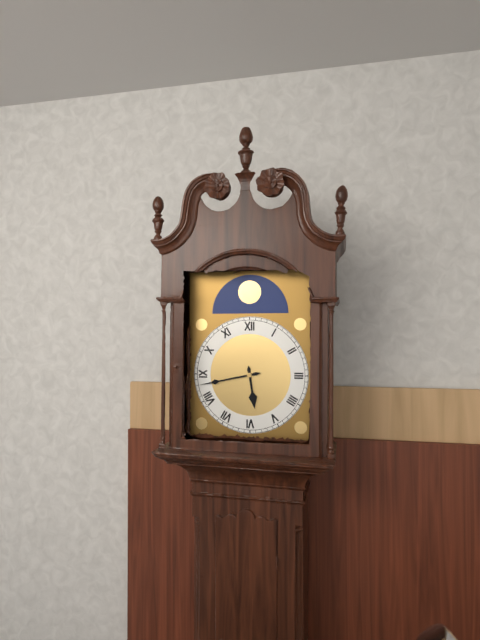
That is 5.43
